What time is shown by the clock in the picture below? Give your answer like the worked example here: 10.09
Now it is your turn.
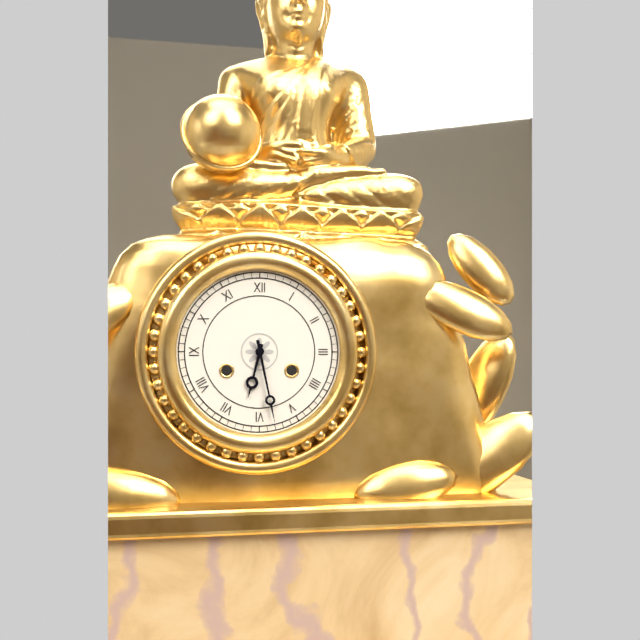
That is 6.28
